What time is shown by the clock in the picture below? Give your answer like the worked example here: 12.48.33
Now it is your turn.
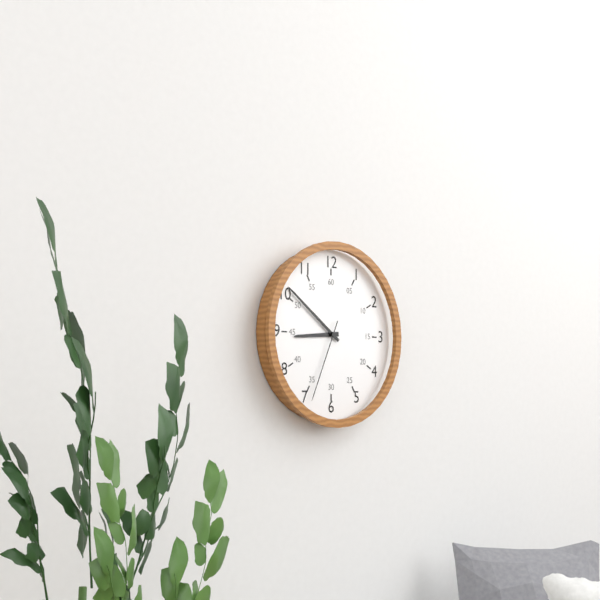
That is 8.51.34
